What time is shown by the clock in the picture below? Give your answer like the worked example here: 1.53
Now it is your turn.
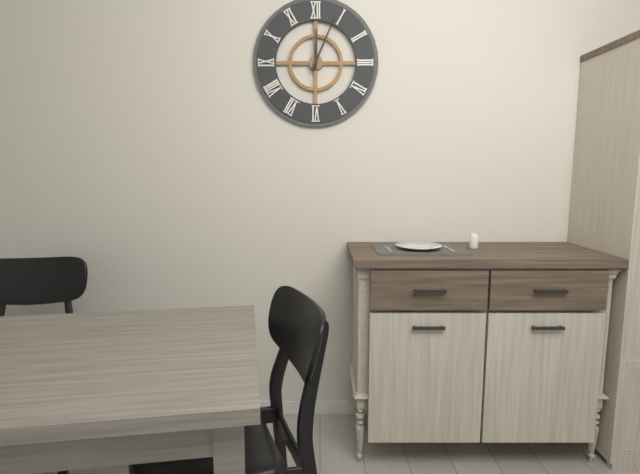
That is 12.04
